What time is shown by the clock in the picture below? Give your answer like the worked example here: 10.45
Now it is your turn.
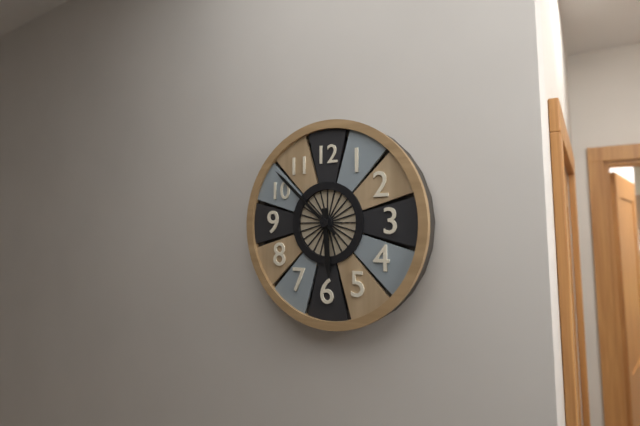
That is 5.52
